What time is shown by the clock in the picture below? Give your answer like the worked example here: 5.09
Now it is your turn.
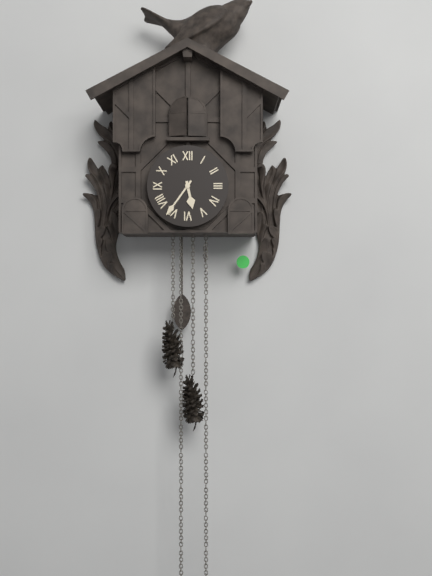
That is 5.36
